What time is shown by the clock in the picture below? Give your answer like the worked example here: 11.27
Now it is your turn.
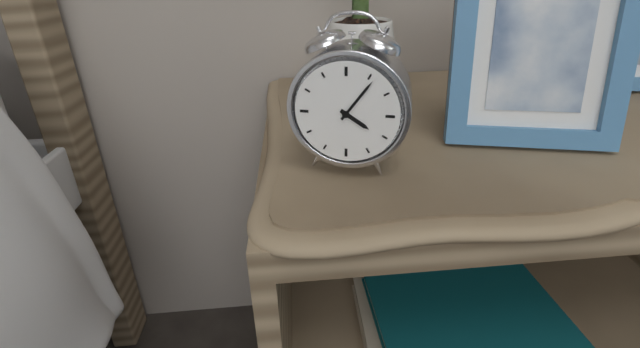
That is 4.06
